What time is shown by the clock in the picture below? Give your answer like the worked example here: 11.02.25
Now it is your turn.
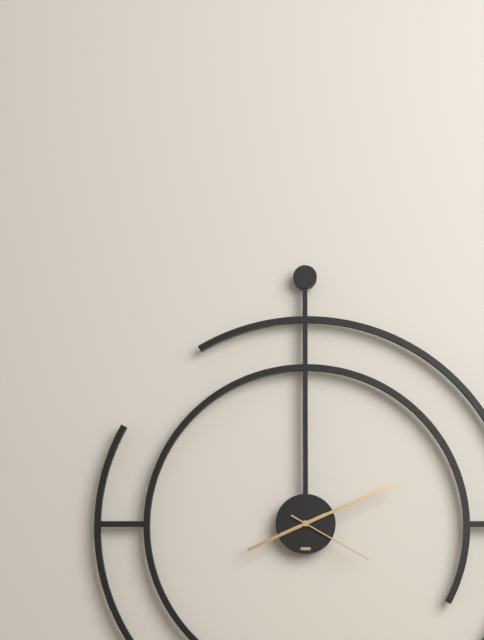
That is 8.11.20
